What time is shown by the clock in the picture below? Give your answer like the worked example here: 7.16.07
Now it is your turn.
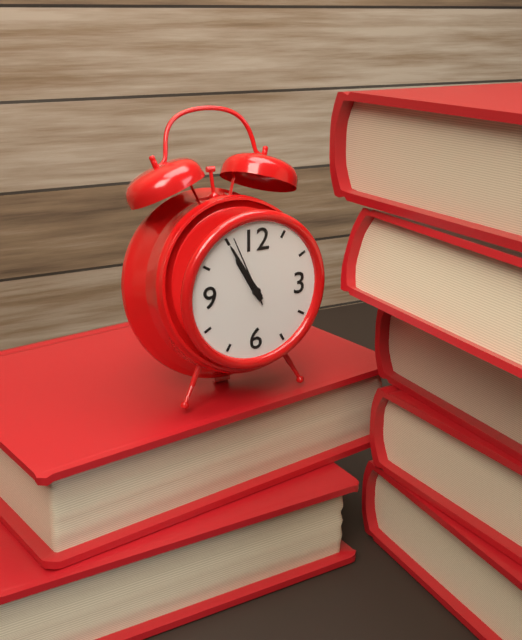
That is 10.55.56
